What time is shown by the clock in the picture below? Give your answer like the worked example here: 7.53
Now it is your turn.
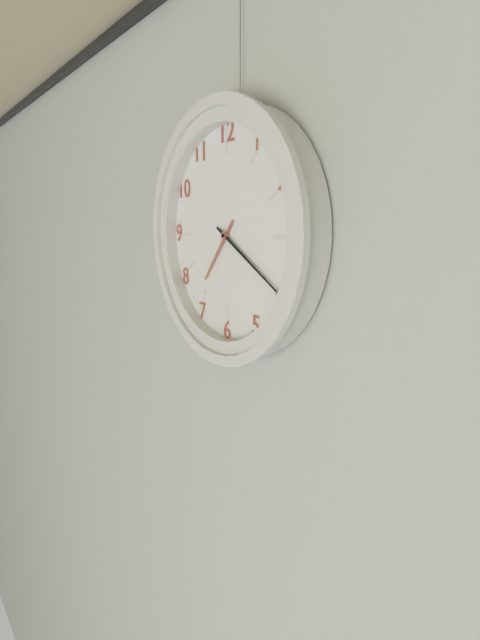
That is 7.20
